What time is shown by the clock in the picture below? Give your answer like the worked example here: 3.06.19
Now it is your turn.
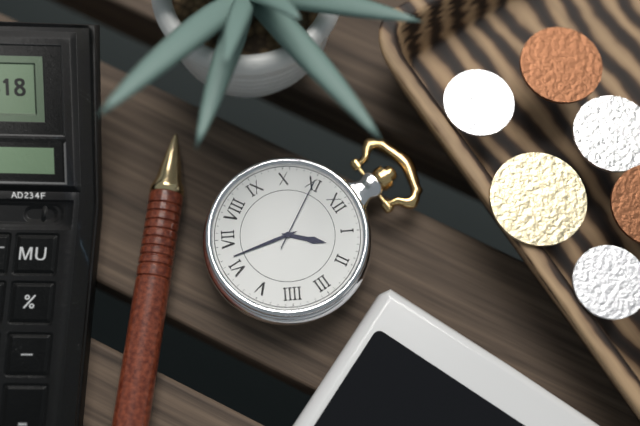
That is 1.32.55
